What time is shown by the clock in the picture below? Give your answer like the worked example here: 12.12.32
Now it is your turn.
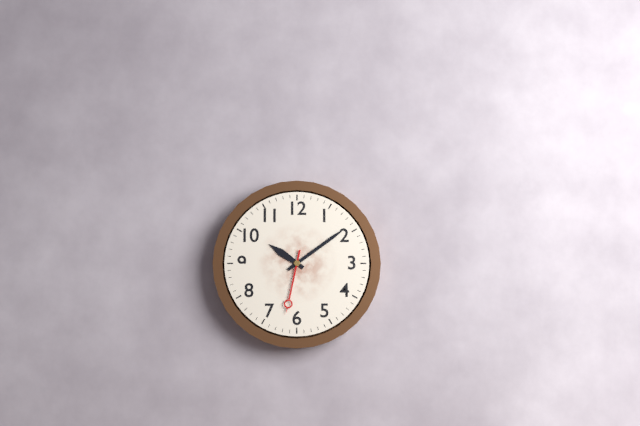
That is 10.09.32
